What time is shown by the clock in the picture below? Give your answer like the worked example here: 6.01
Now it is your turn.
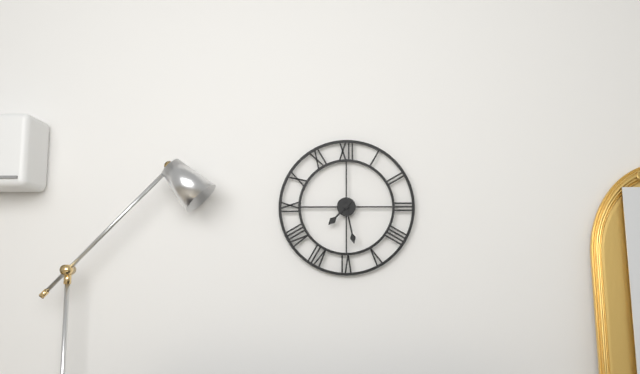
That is 7.28
